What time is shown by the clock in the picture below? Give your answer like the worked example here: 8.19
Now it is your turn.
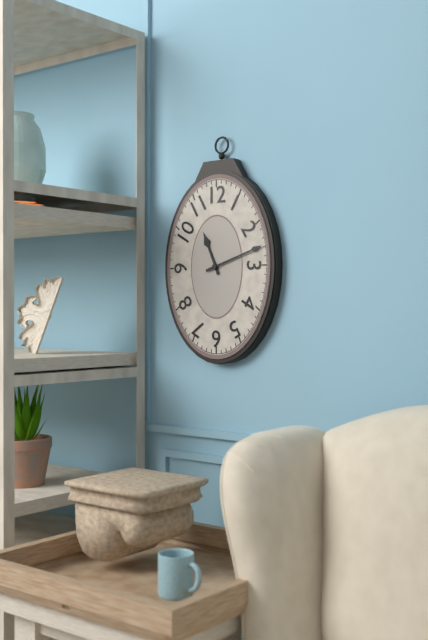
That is 11.12
